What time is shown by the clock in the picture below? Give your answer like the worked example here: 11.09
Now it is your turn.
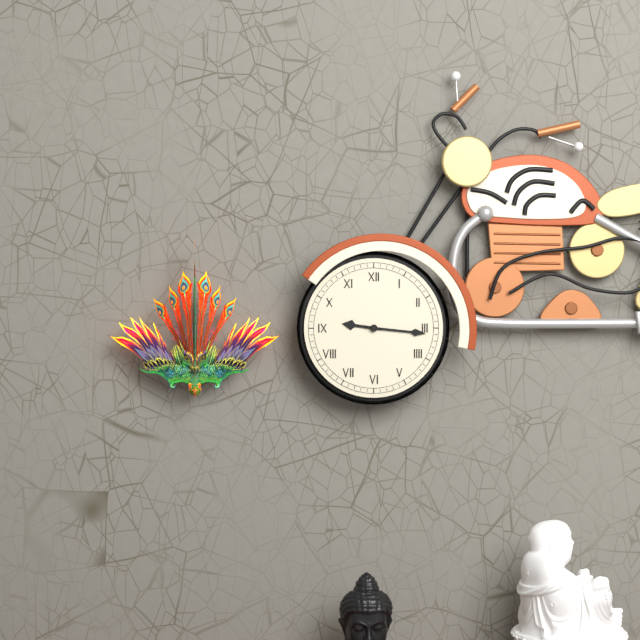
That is 9.16
